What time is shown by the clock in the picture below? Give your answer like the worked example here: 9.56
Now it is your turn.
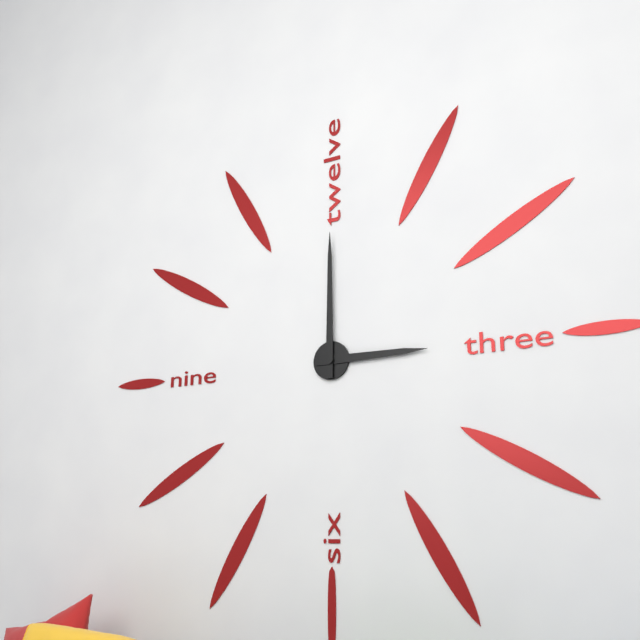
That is 3.00
